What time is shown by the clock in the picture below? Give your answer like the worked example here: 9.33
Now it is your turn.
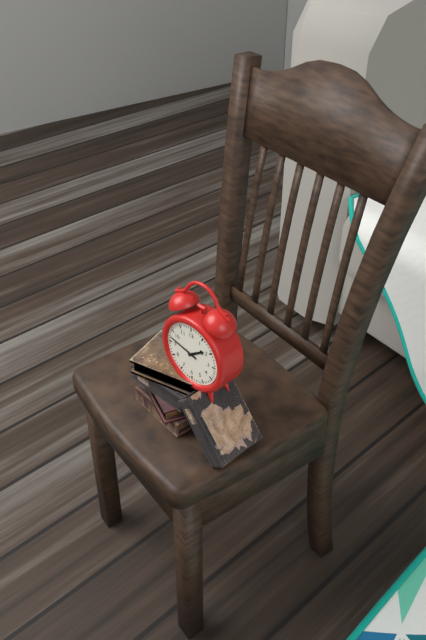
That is 1.47
